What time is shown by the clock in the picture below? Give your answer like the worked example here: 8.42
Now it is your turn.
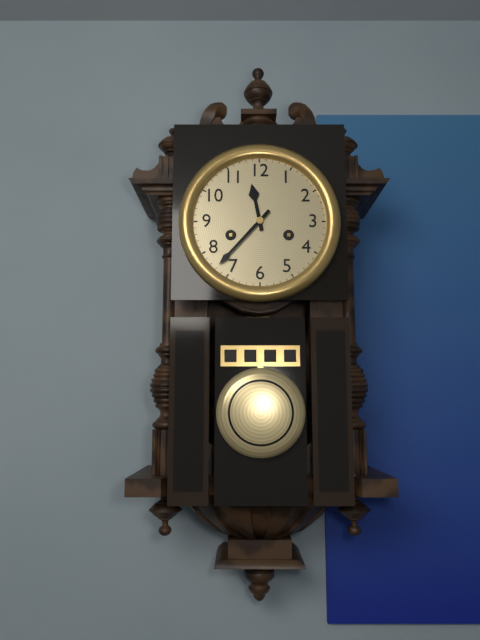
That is 11.37
